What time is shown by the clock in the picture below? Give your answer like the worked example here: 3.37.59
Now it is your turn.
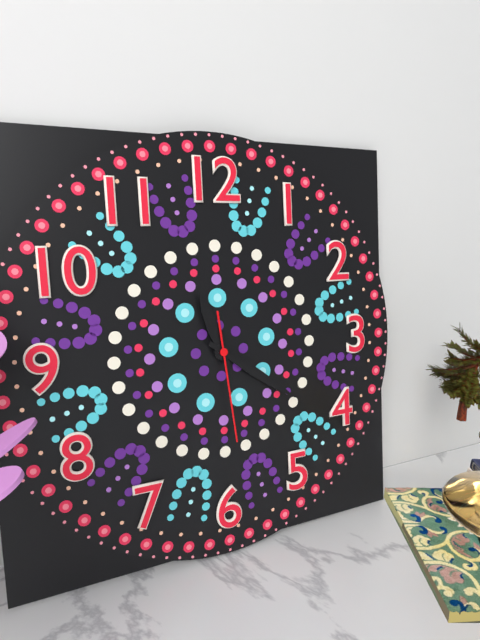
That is 11.21.29
